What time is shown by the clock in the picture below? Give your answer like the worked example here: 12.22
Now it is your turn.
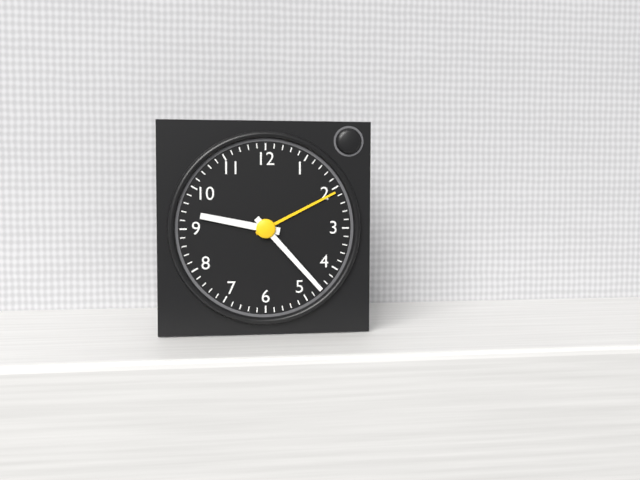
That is 9.23
